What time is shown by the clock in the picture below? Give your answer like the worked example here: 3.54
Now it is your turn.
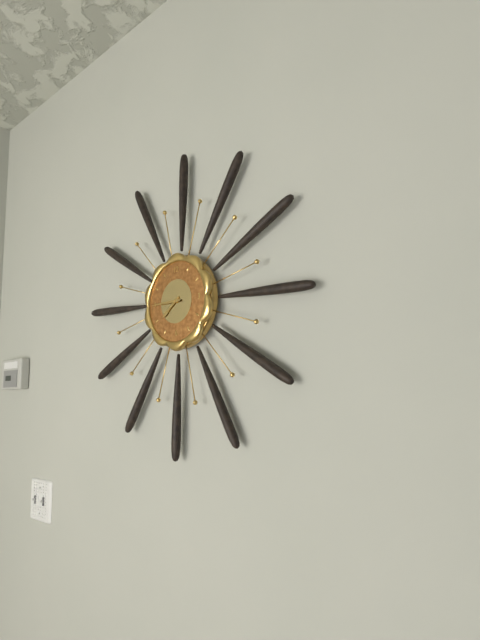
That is 7.45
